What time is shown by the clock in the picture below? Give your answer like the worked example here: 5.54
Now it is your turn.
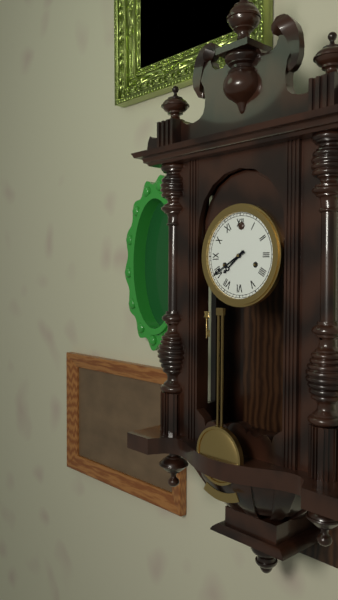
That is 7.40
